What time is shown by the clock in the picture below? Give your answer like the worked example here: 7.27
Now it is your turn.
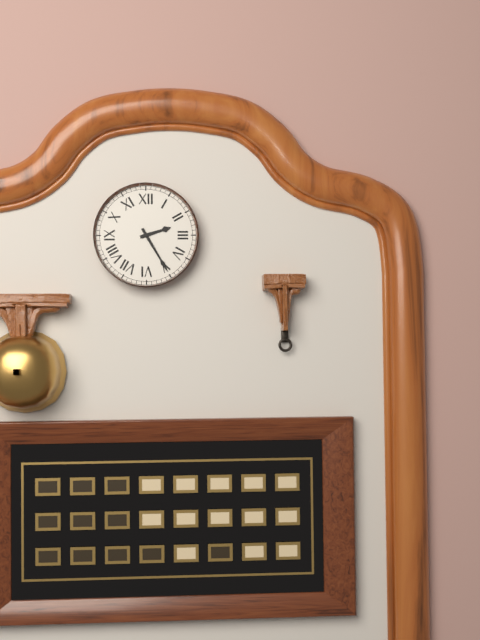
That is 2.25
